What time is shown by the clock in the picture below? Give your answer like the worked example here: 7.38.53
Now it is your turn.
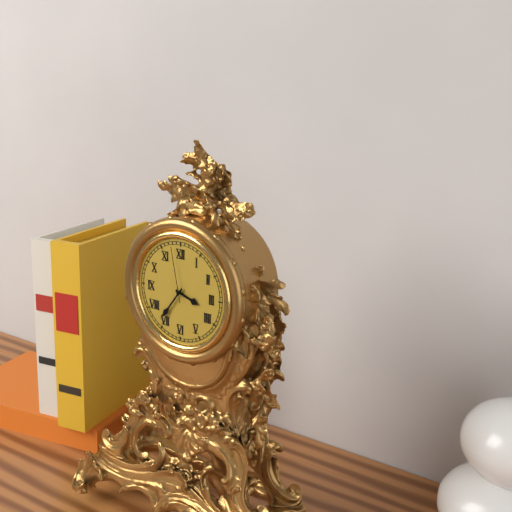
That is 3.36.58
